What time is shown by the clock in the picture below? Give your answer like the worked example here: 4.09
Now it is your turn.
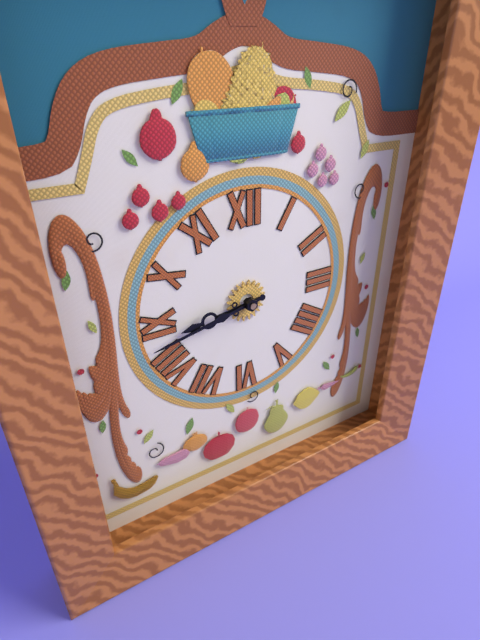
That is 8.43
